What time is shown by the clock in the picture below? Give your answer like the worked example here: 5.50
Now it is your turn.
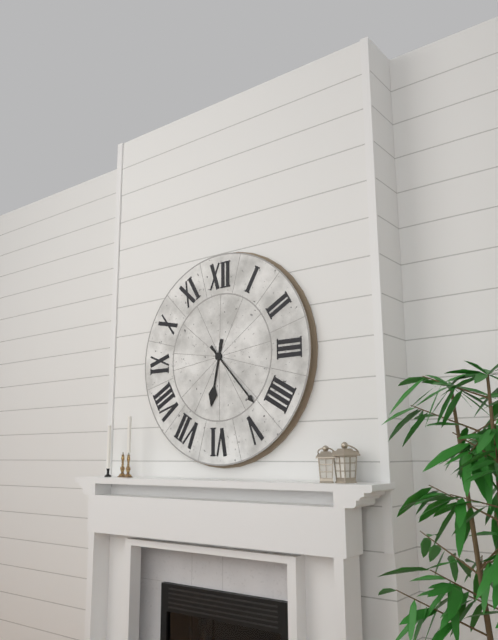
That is 6.23
